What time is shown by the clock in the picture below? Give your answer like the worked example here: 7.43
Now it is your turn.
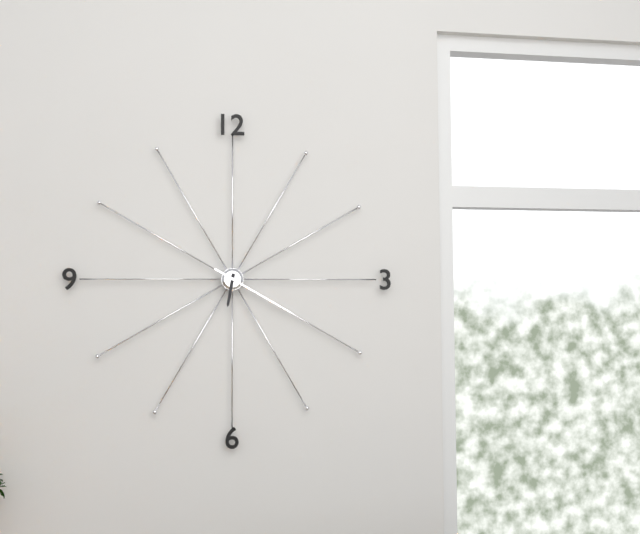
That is 6.20
